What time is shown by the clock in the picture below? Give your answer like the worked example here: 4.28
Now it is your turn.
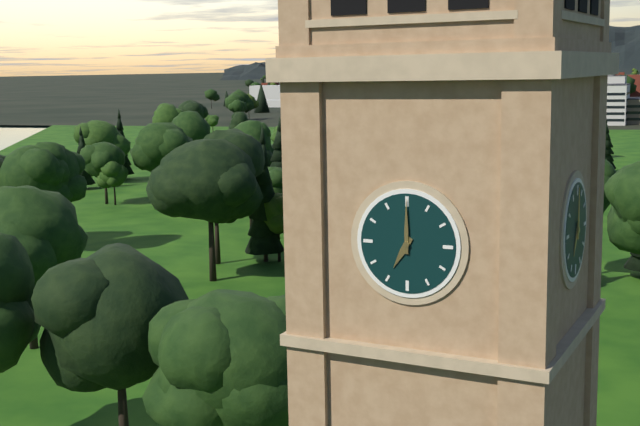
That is 7.00
